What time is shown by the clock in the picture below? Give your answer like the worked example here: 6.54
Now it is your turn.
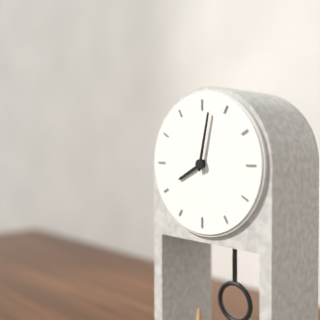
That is 8.02
